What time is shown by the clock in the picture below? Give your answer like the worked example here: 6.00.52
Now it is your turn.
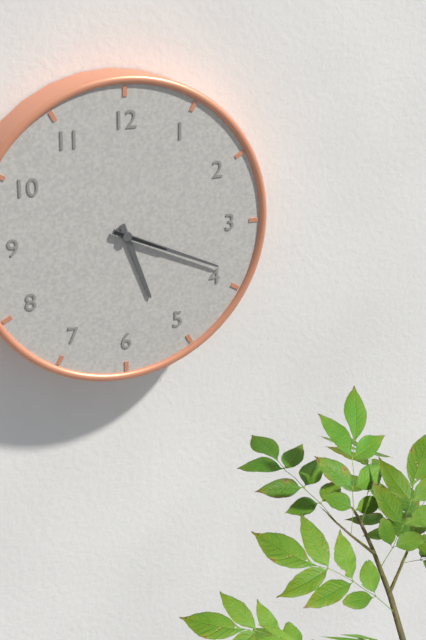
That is 5.19.19
